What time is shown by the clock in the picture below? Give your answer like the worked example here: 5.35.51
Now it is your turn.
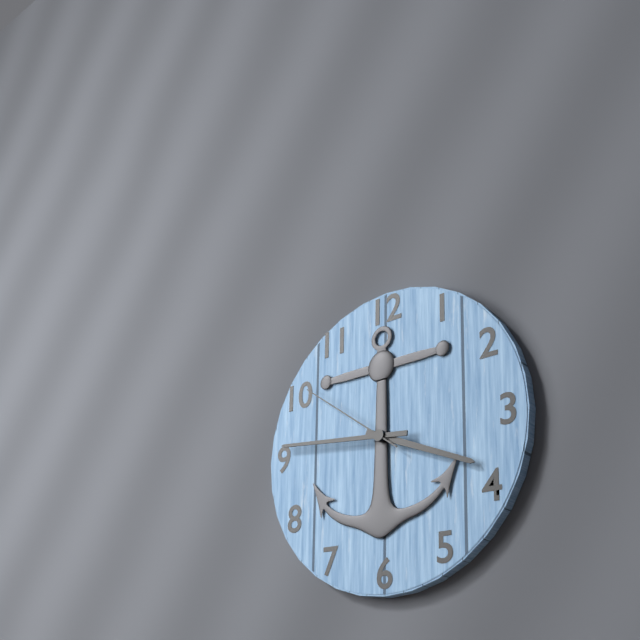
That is 3.46.51
